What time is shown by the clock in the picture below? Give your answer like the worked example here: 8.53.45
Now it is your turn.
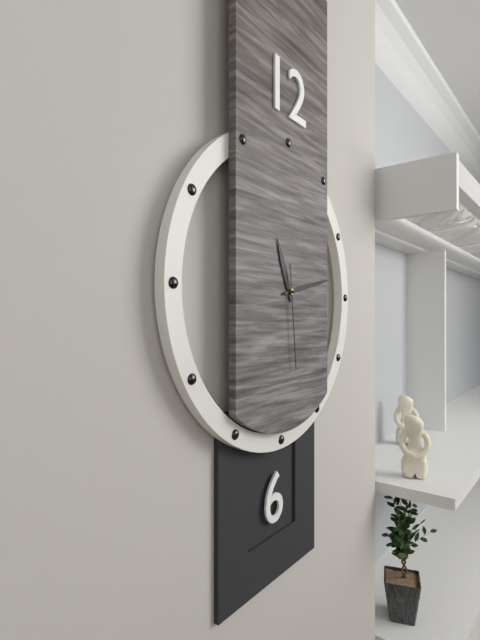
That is 11.13.29
